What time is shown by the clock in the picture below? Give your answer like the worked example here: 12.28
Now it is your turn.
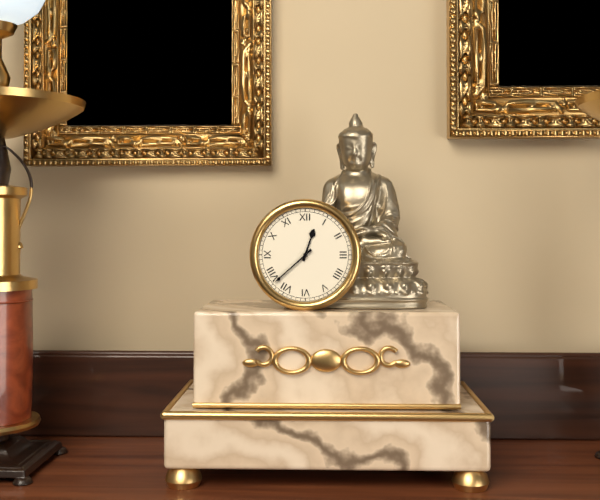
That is 12.38
